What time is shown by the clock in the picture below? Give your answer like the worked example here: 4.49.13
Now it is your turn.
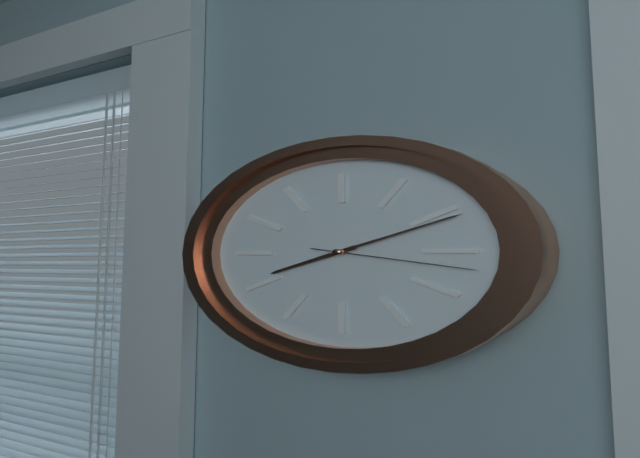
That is 8.11.17
